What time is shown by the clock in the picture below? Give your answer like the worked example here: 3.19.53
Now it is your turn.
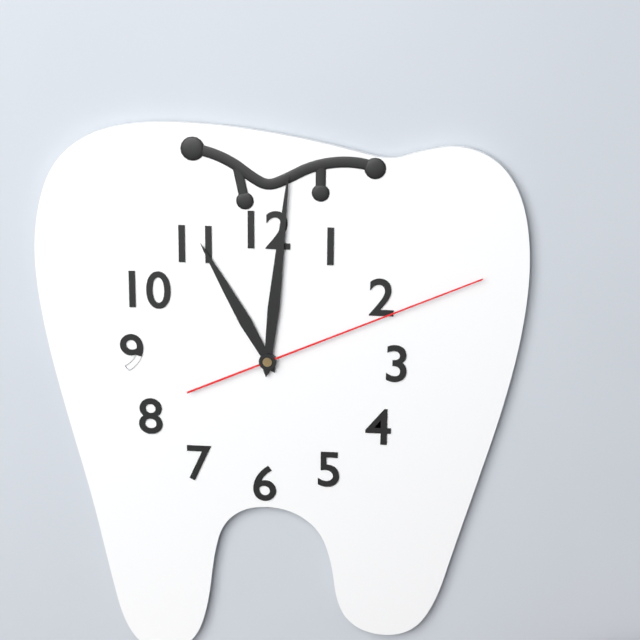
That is 11.01.11
